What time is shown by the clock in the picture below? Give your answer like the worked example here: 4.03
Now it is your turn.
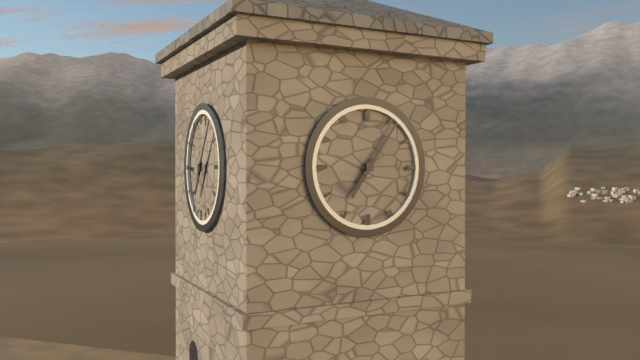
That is 7.06
